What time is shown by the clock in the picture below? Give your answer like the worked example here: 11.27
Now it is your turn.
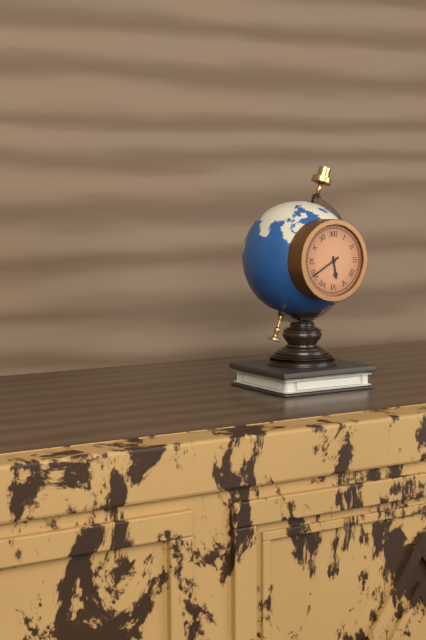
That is 5.40
